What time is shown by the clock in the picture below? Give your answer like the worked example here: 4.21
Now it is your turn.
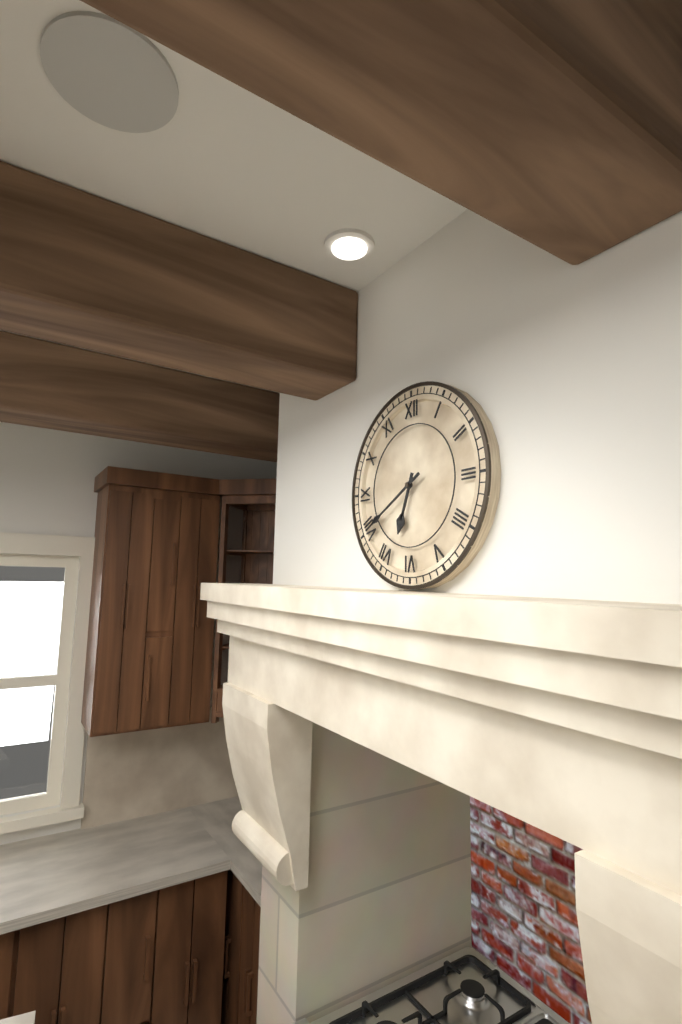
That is 6.40
